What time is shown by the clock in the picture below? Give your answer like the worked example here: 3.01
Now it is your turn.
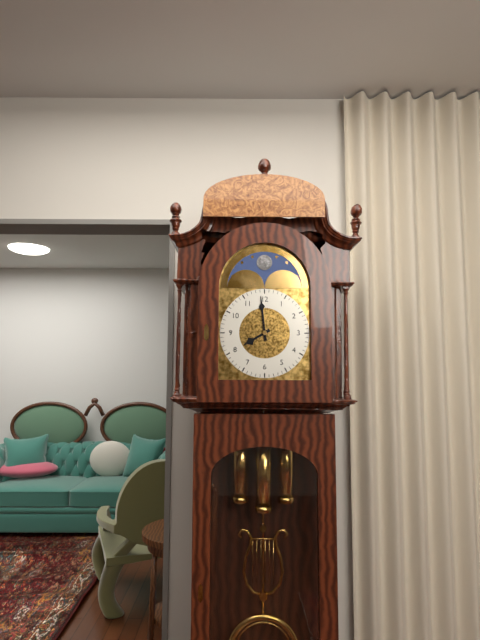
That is 7.59
